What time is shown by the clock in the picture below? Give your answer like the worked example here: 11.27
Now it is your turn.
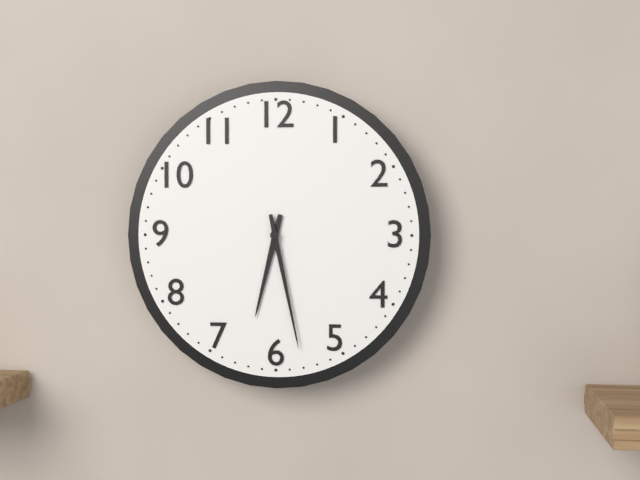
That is 6.28
